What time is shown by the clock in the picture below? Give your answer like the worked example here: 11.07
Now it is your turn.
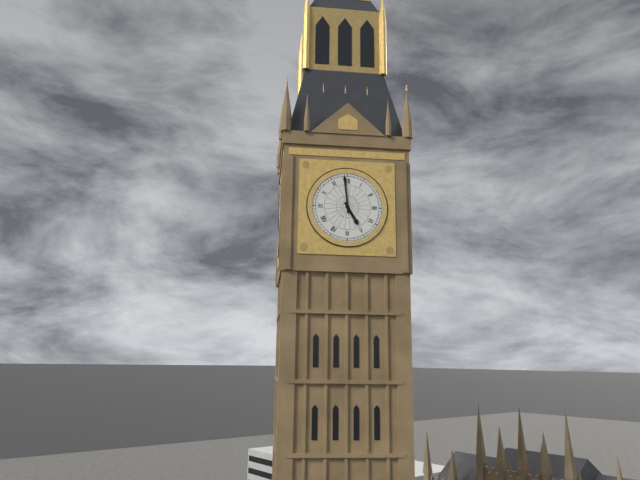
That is 4.59
